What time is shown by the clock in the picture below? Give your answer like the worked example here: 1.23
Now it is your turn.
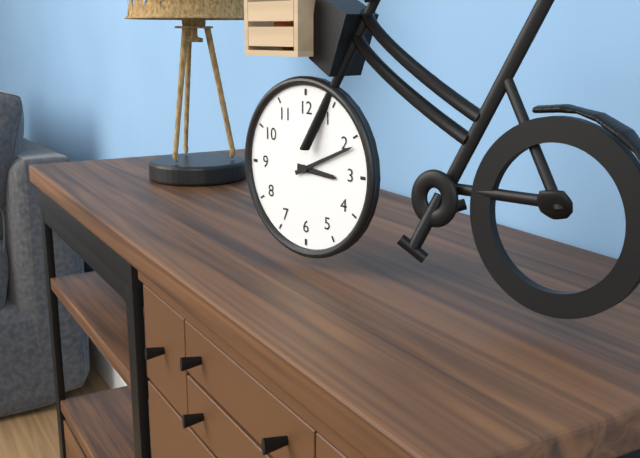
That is 3.11
